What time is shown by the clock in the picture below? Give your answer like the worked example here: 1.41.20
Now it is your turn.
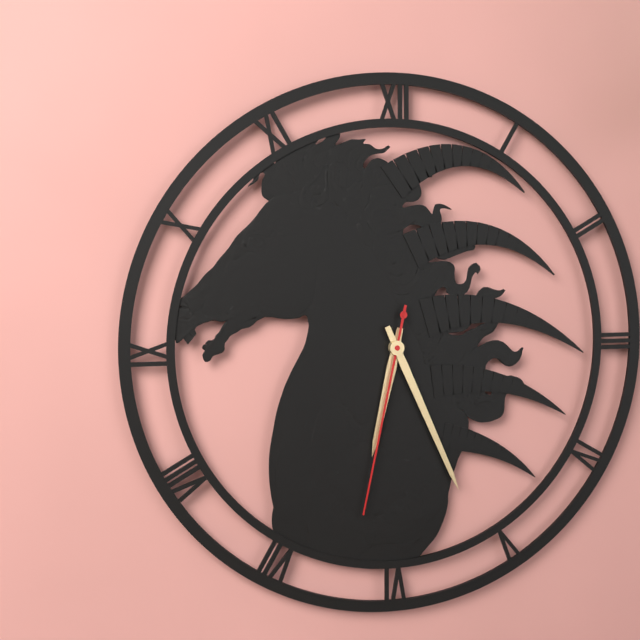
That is 6.26.32
